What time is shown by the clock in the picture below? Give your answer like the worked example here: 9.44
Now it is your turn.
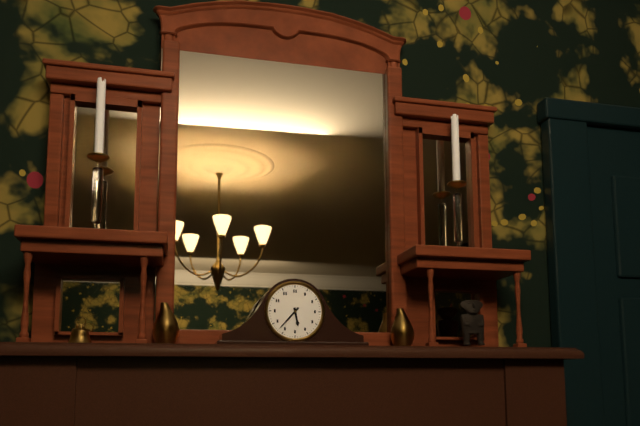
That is 5.37
